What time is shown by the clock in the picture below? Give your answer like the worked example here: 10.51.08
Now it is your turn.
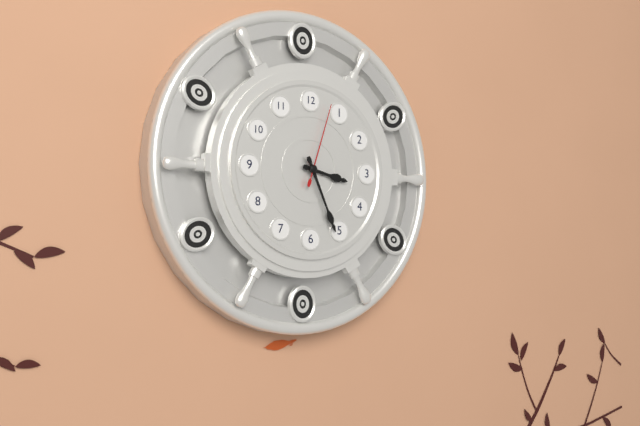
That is 3.26.03
